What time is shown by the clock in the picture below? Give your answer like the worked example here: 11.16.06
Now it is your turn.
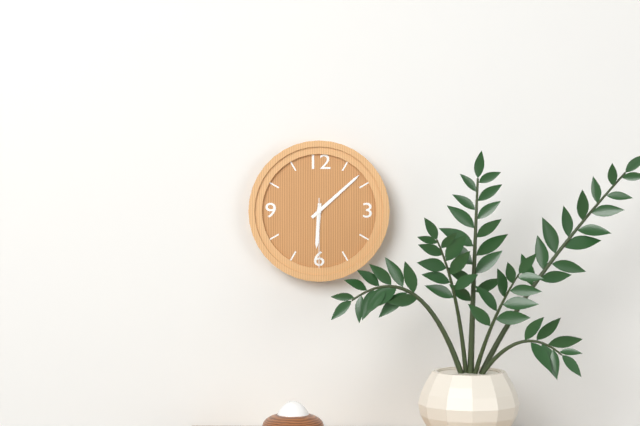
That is 6.08.30
